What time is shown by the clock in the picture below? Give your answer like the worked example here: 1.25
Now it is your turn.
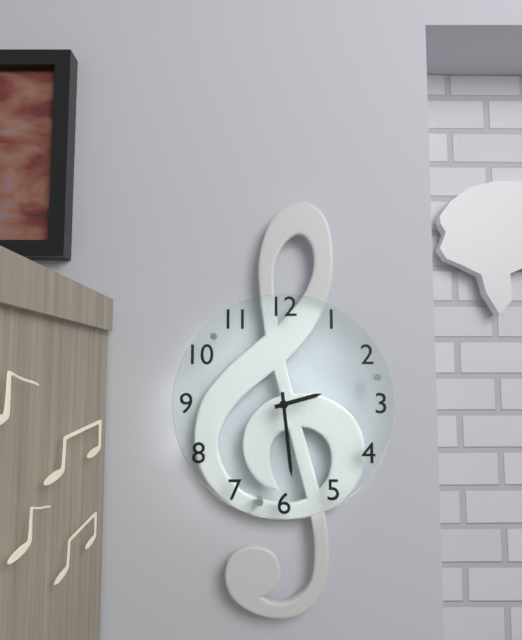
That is 2.29
